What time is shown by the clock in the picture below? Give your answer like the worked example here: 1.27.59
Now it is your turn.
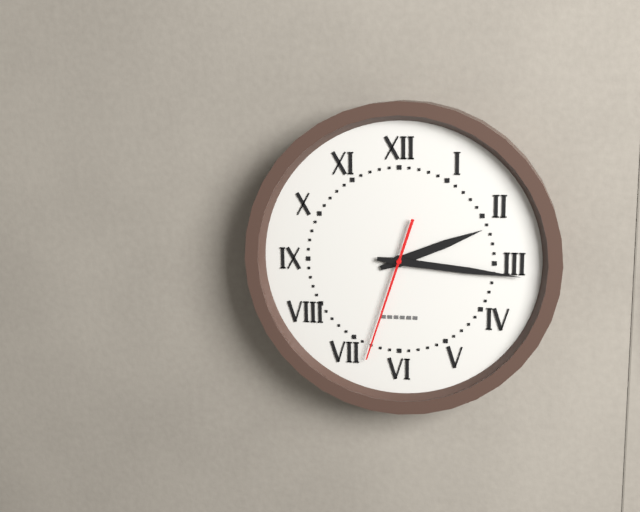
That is 2.16.33
